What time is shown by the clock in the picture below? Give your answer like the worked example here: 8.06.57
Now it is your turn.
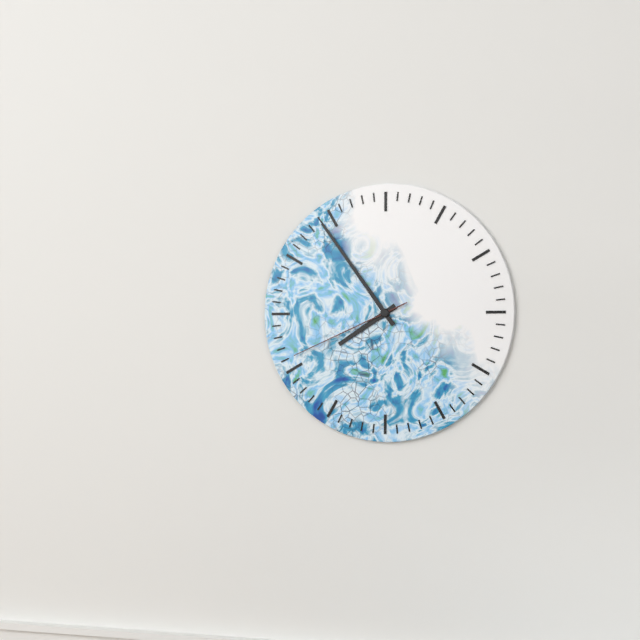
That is 7.54.41
